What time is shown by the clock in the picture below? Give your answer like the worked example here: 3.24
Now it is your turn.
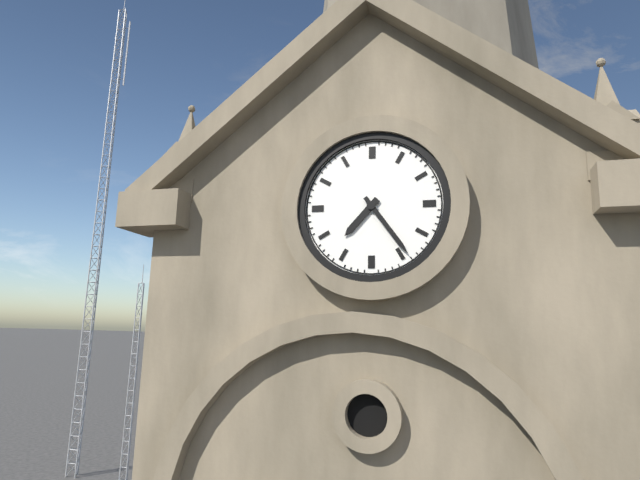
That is 7.24
